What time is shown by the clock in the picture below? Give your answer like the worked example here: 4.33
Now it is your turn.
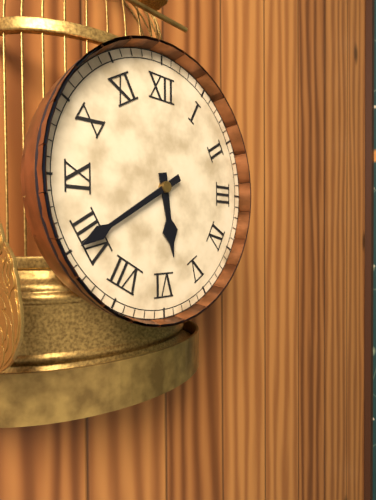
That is 5.40
